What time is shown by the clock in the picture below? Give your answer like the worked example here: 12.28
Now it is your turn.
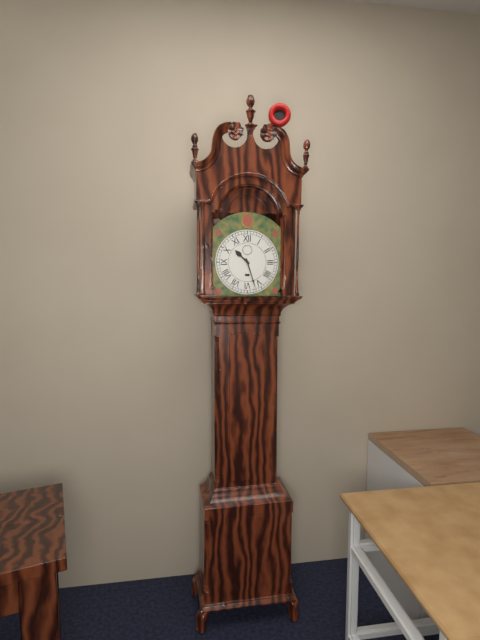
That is 10.27
